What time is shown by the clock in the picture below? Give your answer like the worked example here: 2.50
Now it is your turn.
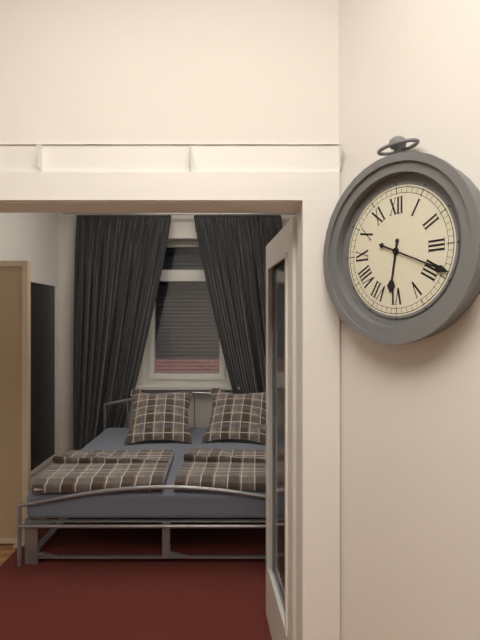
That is 6.19
